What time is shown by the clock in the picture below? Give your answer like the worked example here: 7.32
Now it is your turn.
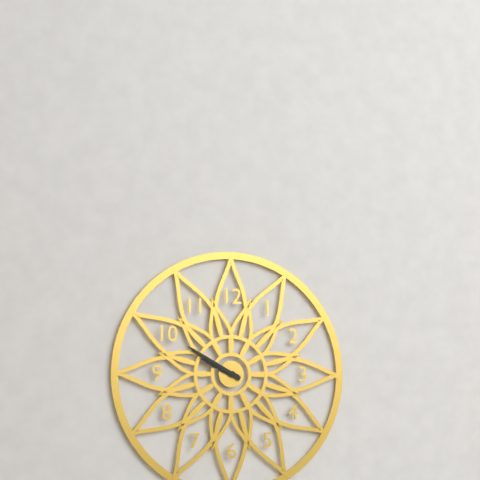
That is 9.50
